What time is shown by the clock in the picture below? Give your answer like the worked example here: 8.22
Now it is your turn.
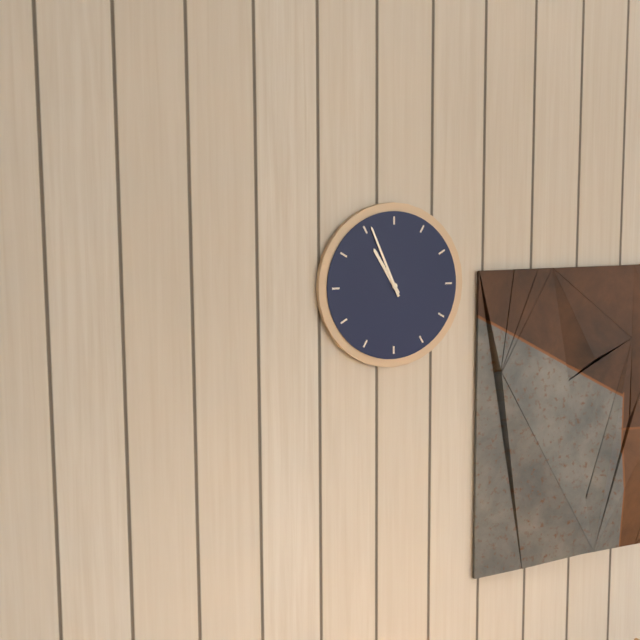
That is 10.56
